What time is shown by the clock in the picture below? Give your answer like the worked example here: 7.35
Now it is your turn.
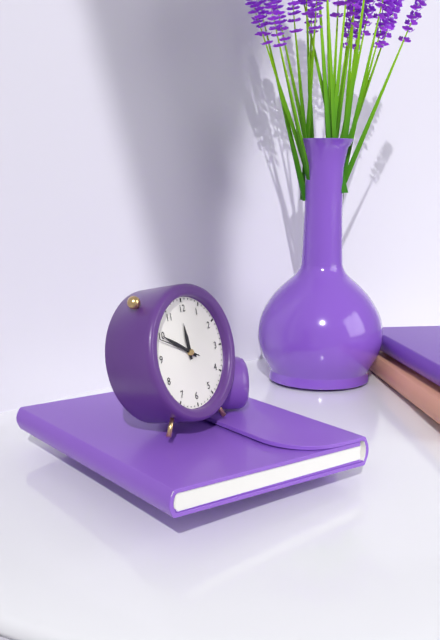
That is 11.50
